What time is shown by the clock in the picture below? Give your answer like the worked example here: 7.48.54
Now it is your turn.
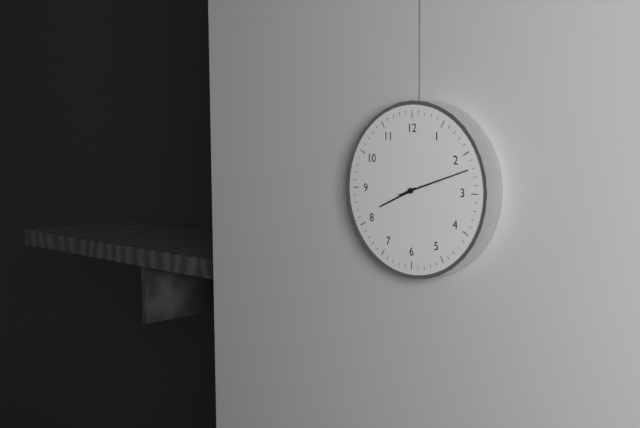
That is 8.12.12
